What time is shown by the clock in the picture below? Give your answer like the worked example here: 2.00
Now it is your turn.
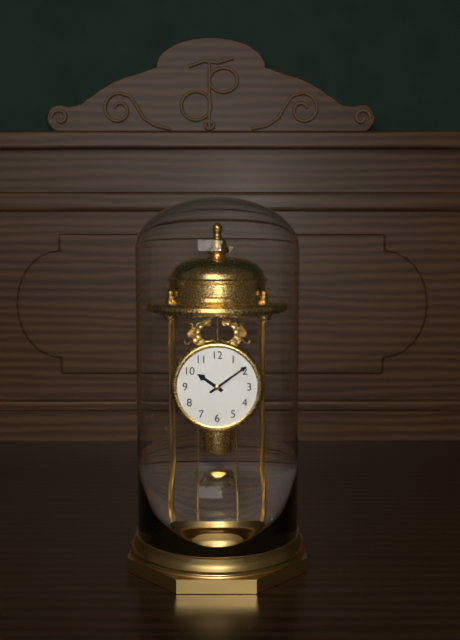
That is 10.09
